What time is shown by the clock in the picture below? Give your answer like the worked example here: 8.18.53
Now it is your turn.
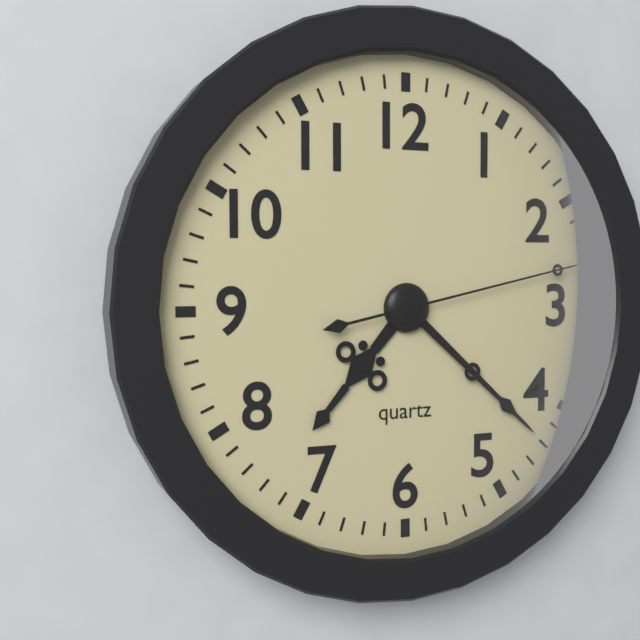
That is 7.22.13
